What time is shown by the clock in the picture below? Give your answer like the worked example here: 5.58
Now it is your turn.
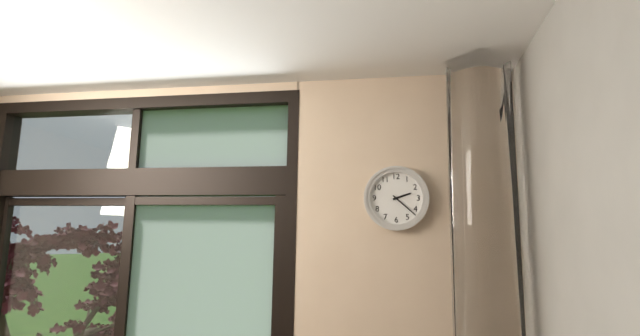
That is 2.22
